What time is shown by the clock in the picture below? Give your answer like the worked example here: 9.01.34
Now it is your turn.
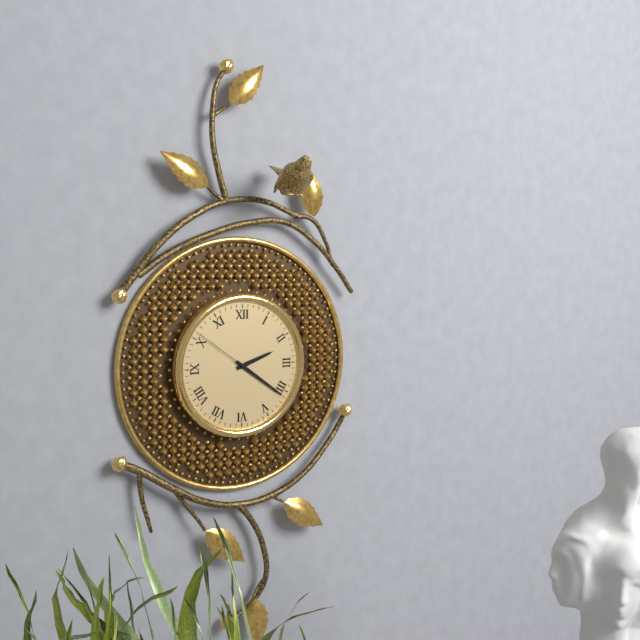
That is 2.21.51
